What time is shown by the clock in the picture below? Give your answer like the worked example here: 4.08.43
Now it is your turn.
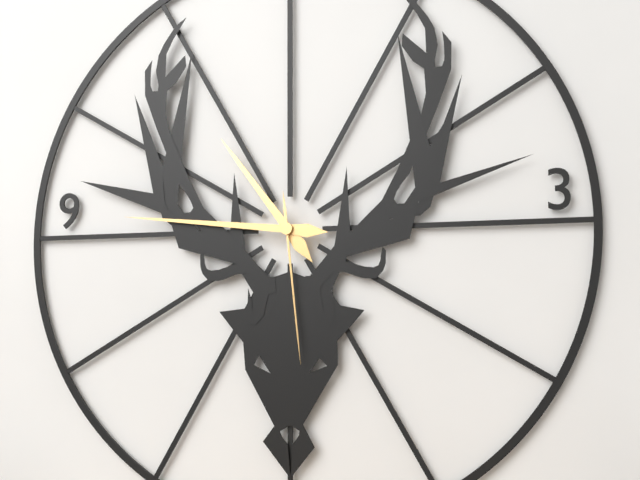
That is 10.46.29
